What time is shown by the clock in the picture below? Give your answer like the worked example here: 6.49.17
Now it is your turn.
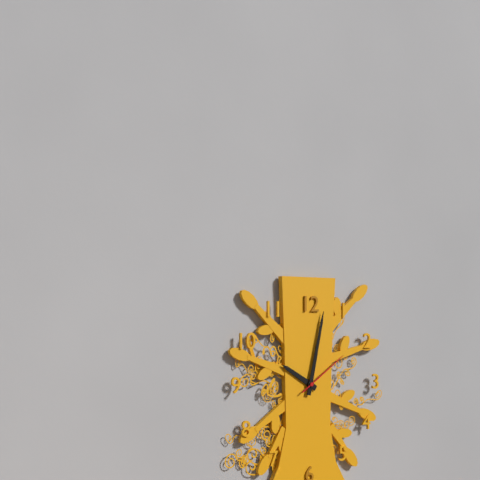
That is 10.02.09
